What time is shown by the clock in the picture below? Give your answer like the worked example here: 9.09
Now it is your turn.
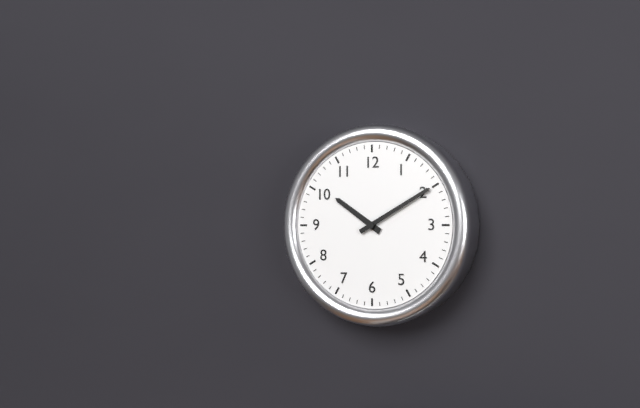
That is 10.10
